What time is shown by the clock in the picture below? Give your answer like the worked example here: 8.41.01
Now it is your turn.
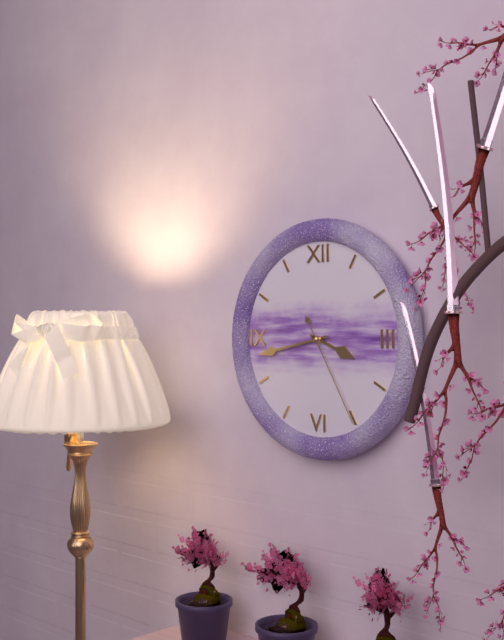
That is 3.43.25
